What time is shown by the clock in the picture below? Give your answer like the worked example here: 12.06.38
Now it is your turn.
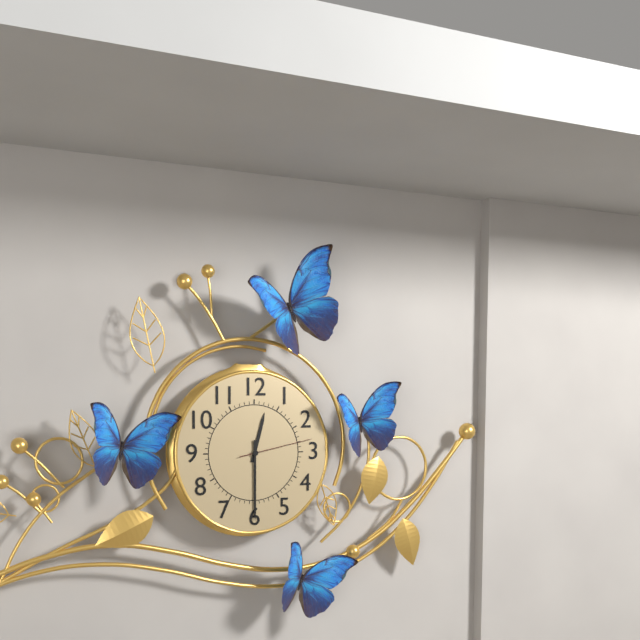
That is 12.30.13
